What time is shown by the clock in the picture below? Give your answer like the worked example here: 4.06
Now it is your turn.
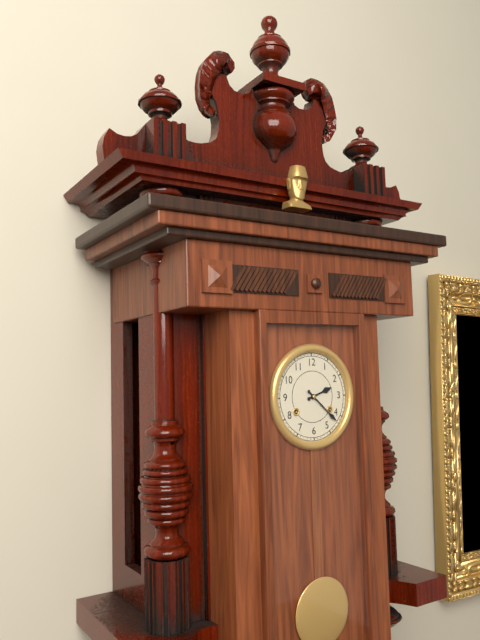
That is 2.22
